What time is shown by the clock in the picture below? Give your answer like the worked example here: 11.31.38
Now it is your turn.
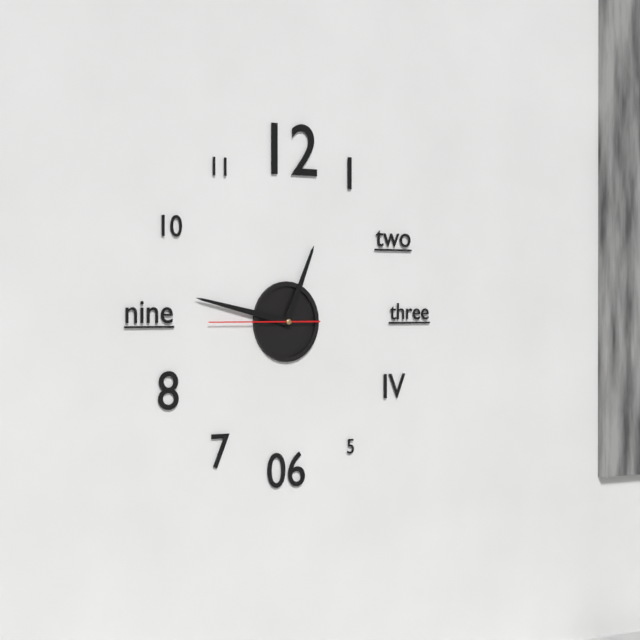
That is 12.47.45
